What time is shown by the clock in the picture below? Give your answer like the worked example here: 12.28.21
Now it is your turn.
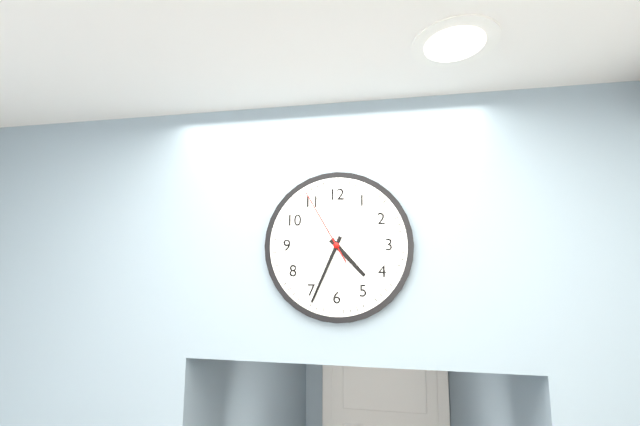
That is 4.34.55
